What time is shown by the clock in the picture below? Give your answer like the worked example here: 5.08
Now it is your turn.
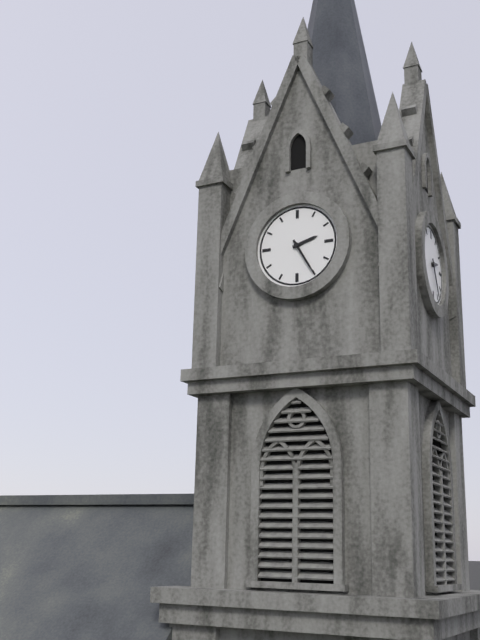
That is 2.25
